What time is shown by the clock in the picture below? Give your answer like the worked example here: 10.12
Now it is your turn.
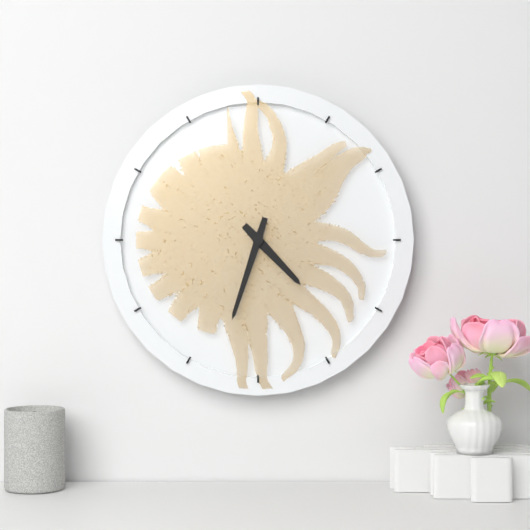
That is 4.33
